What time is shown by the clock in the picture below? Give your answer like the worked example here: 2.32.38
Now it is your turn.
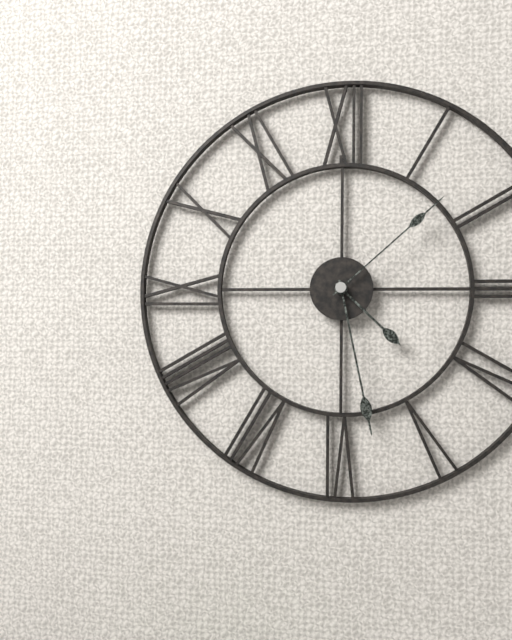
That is 4.28.08
